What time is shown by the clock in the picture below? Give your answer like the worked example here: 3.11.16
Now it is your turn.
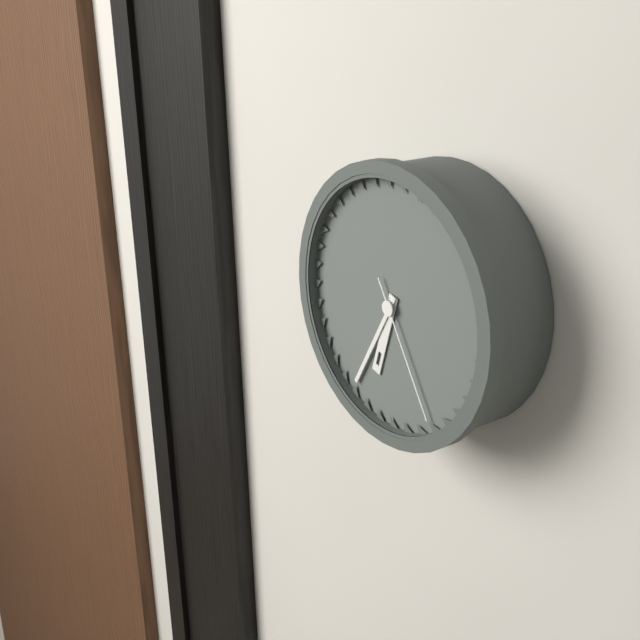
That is 6.35.25
